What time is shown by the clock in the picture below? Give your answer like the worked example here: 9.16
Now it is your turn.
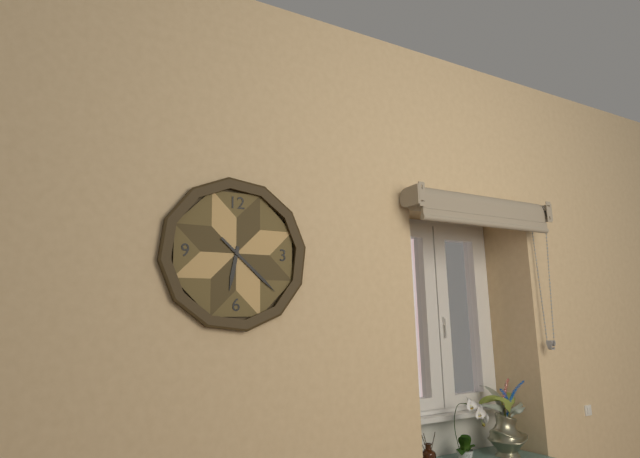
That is 6.22
